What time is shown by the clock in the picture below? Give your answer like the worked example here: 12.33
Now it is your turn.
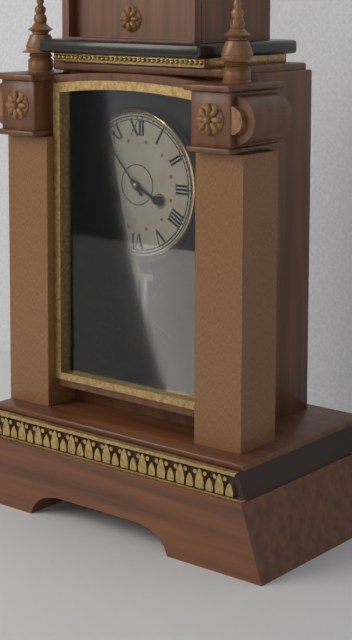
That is 3.53
